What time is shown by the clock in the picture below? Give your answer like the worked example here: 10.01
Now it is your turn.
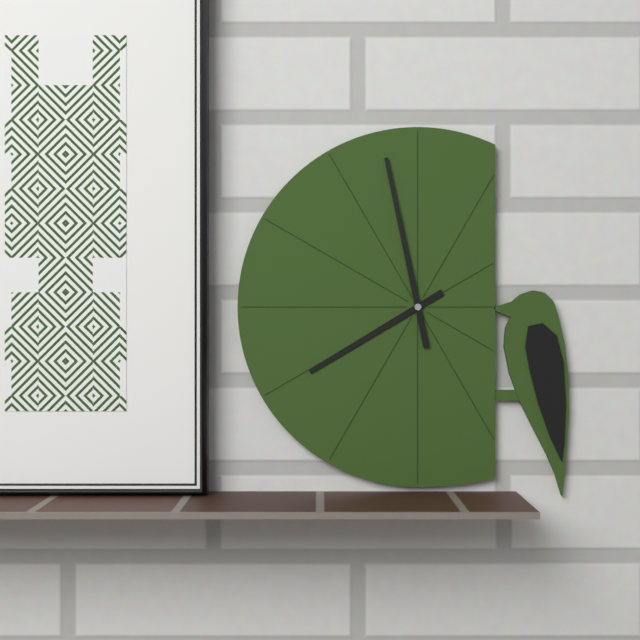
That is 7.58
